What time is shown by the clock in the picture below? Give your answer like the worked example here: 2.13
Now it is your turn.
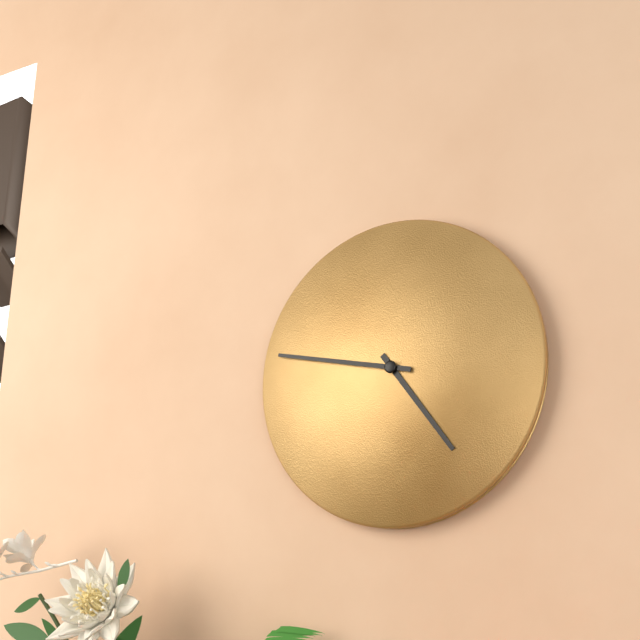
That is 4.47
